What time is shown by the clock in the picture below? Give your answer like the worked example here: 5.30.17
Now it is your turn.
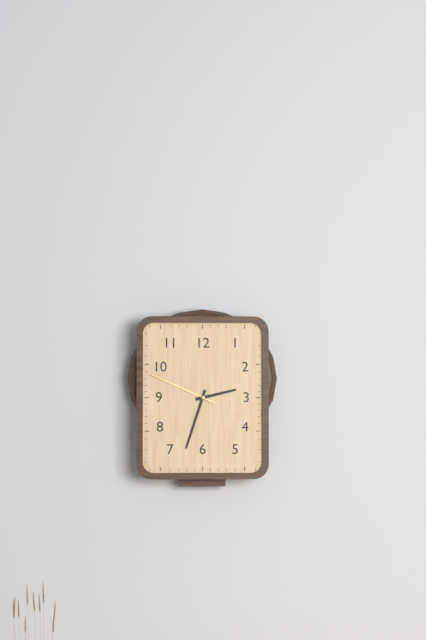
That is 2.33.49
